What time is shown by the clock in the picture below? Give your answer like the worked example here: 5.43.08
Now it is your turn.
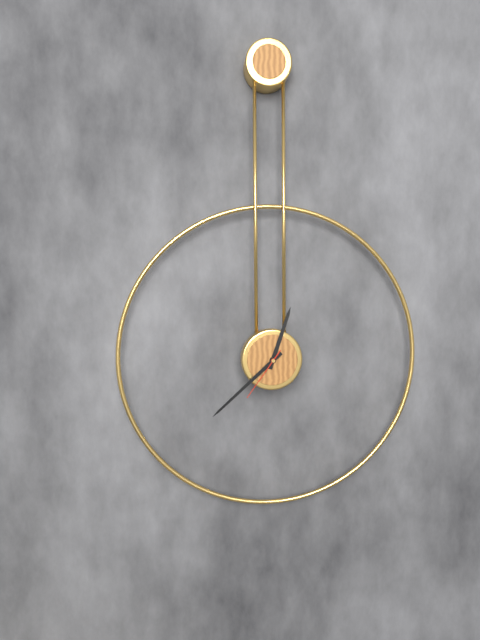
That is 12.38.36
